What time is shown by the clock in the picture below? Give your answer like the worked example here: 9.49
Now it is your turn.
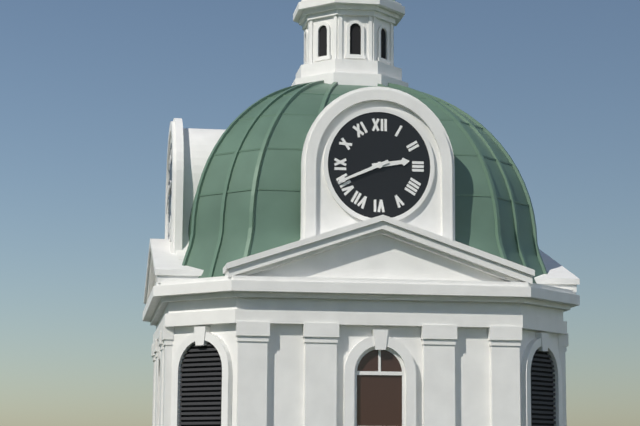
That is 2.41
